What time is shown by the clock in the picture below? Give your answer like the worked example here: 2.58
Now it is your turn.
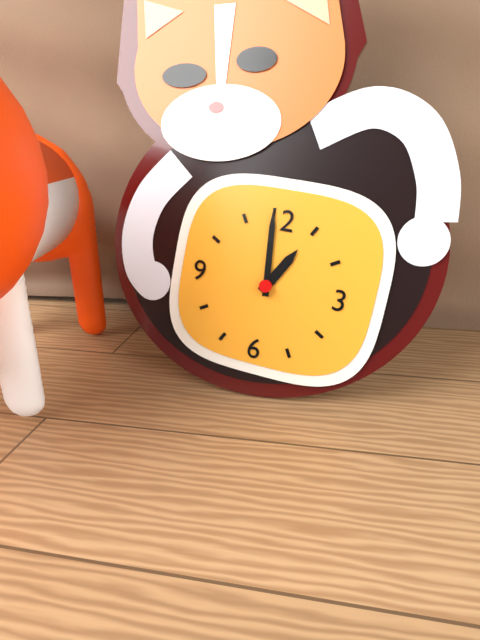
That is 12.59
